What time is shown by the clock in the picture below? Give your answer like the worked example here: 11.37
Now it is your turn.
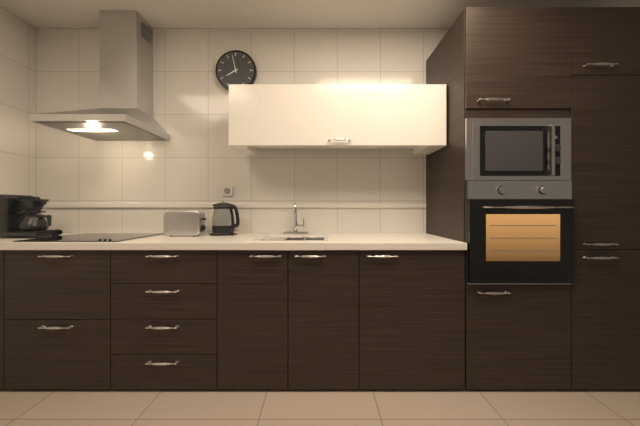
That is 7.58
